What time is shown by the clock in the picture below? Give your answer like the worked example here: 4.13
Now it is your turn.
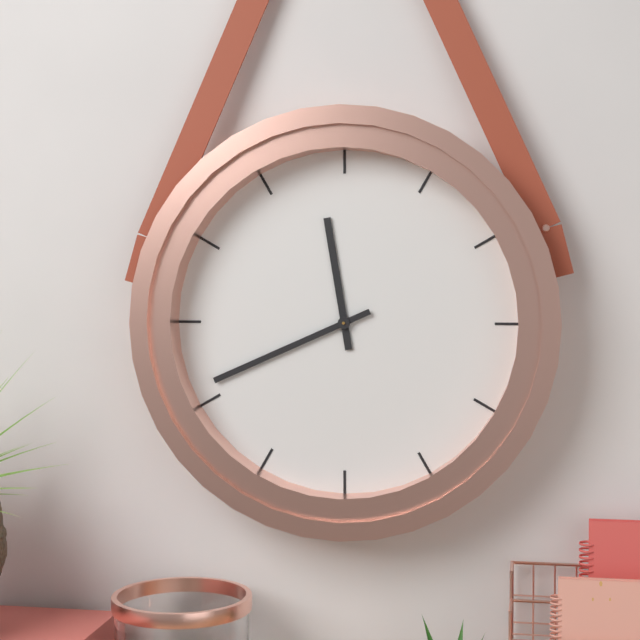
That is 11.41
